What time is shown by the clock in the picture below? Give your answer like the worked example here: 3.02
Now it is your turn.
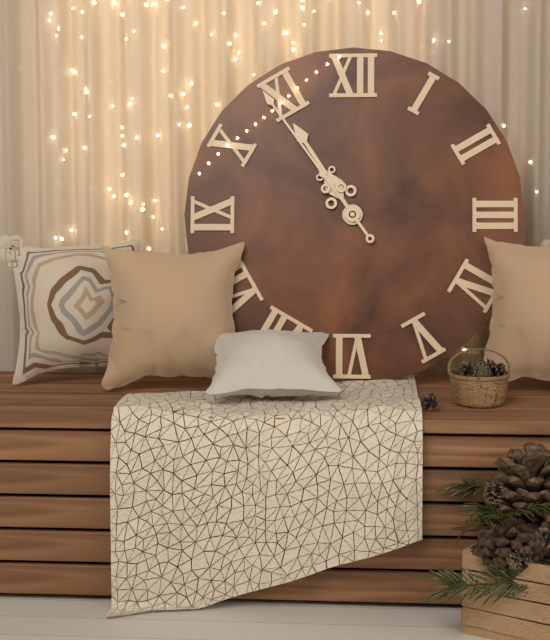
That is 10.54
